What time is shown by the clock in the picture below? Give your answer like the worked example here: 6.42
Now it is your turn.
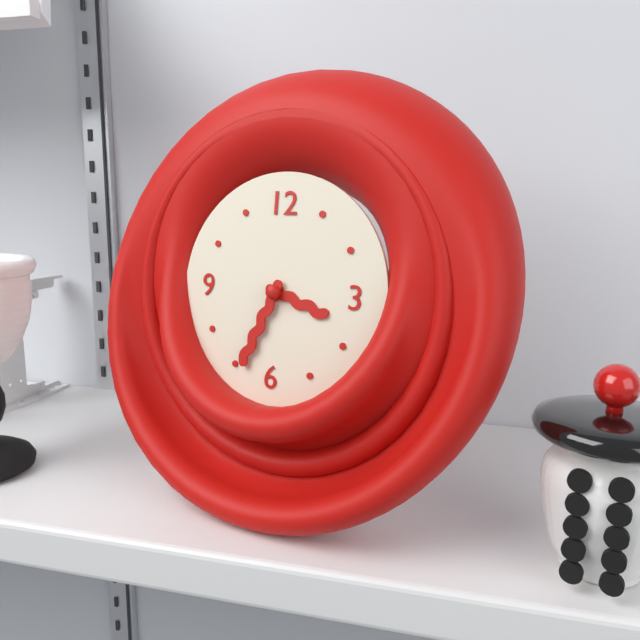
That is 3.34
